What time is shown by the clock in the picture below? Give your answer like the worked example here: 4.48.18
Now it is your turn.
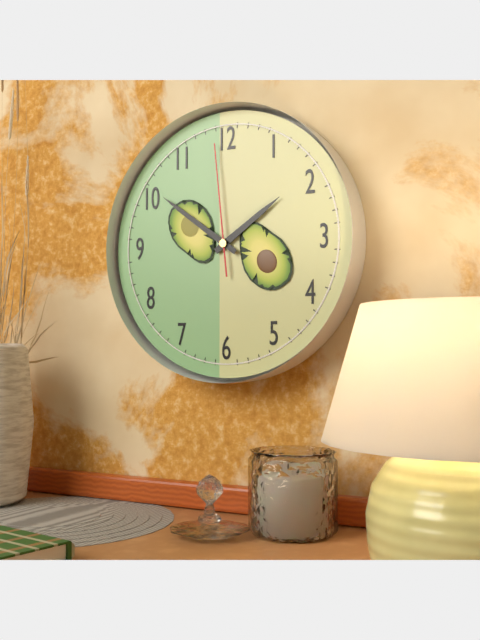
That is 1.51.59
